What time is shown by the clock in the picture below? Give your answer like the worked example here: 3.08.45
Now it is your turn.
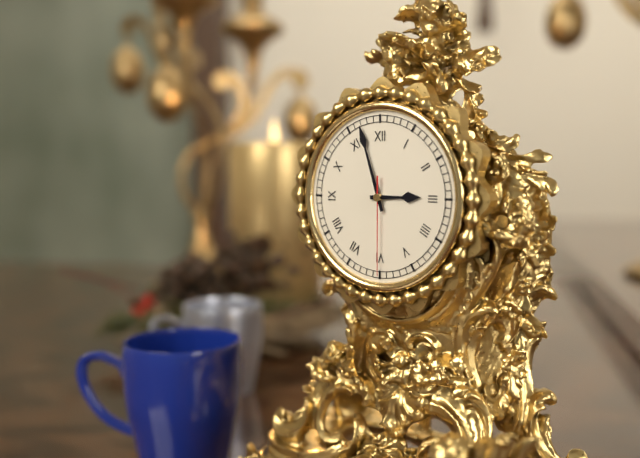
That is 2.57.30
